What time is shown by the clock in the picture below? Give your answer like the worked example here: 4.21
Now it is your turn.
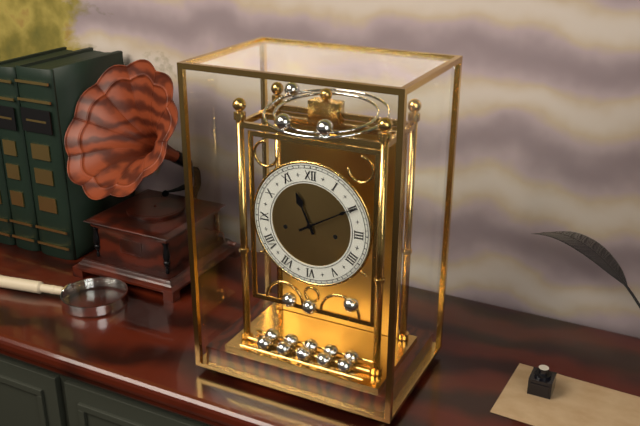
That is 11.10
